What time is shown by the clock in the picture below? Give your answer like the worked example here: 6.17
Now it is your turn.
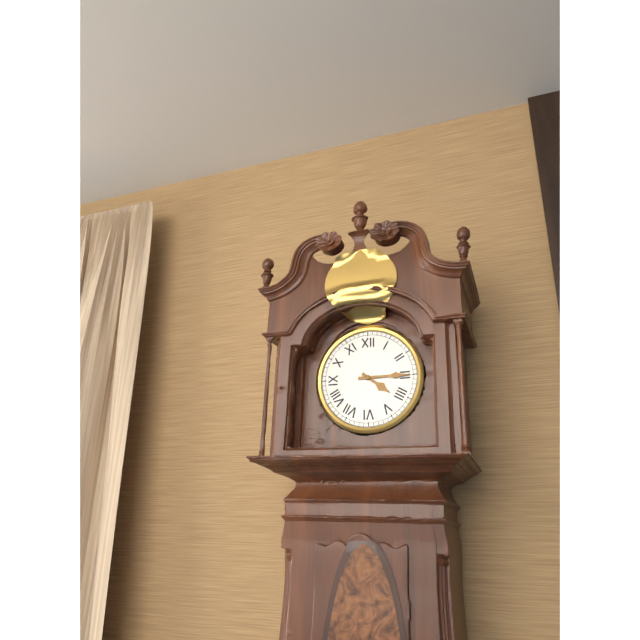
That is 4.15
